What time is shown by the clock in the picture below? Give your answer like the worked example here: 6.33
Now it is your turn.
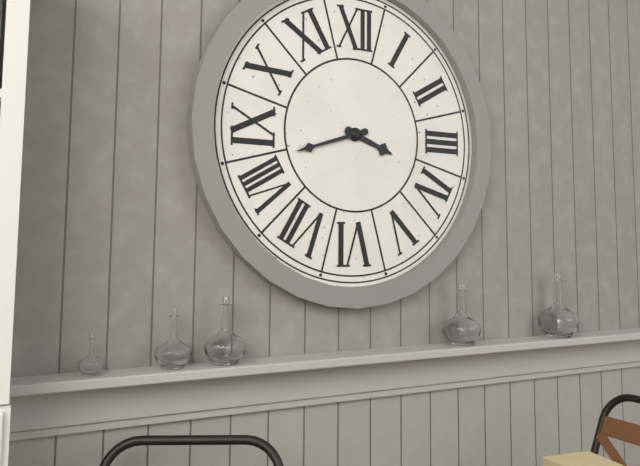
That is 3.42
